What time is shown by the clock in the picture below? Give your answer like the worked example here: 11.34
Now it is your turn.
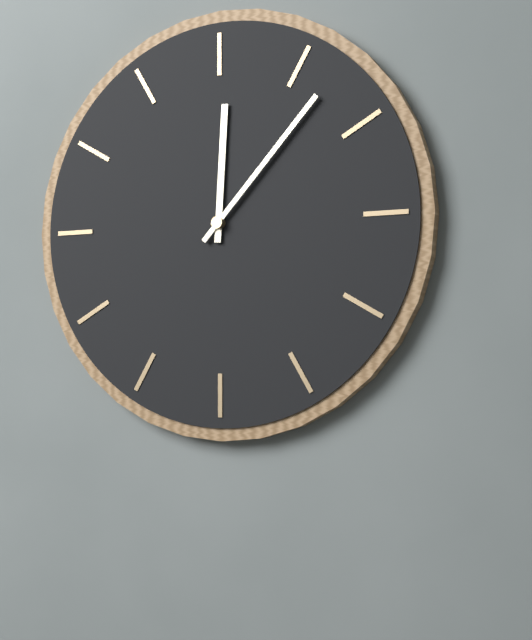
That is 12.07
